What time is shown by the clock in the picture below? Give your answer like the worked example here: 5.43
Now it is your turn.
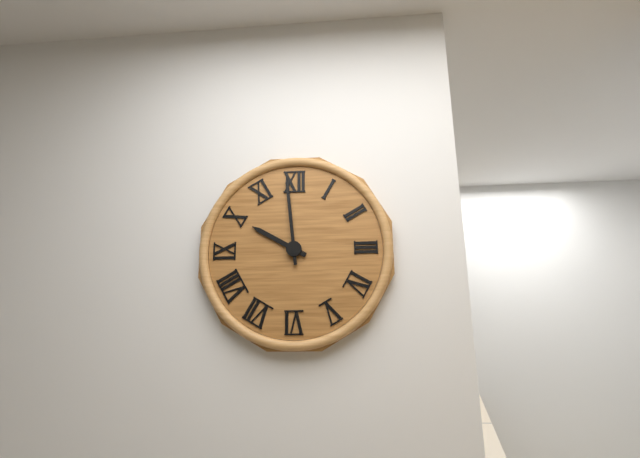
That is 9.59
